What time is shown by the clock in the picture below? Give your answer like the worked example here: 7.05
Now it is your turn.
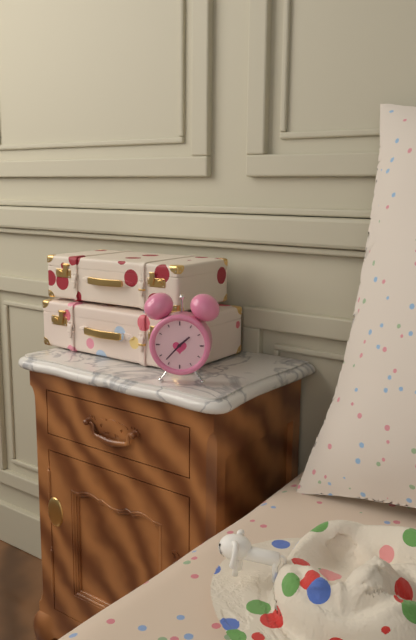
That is 1.37
